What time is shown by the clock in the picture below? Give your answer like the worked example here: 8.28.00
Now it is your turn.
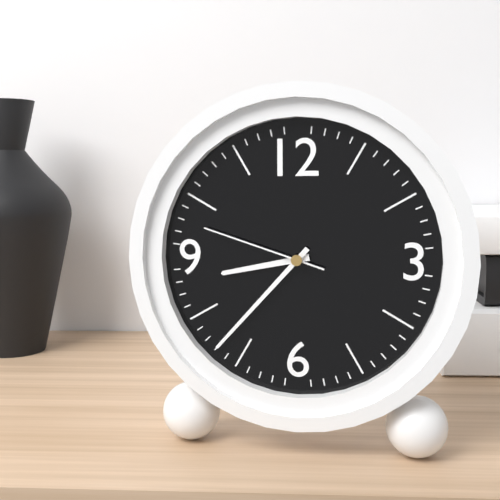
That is 8.37.48
